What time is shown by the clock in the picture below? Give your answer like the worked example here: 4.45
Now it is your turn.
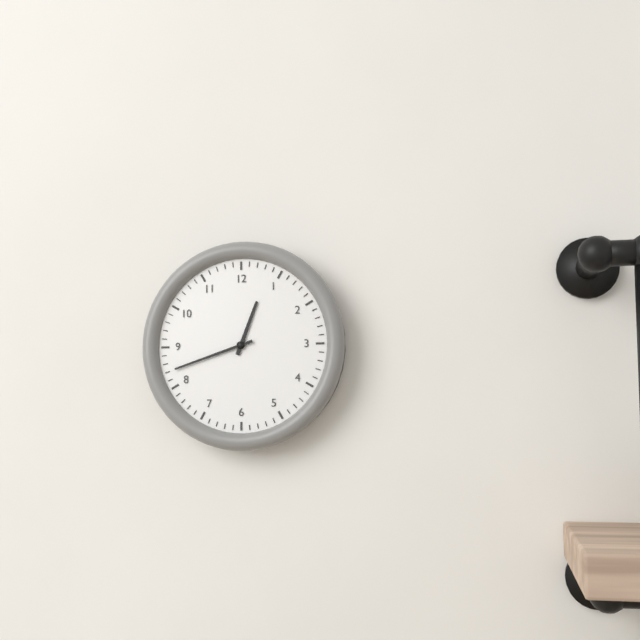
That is 12.42
